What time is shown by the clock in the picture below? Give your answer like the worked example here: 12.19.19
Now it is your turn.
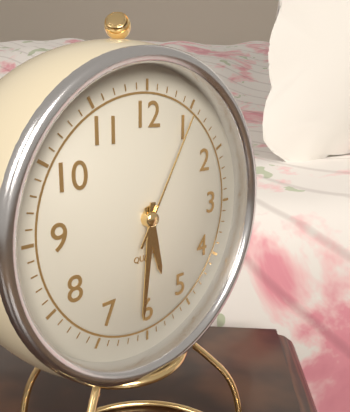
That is 5.31.05
